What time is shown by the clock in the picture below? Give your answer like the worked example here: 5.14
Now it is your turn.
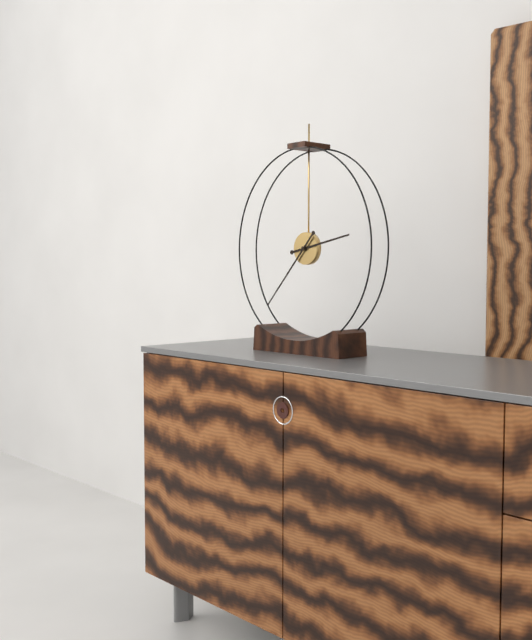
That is 2.37
